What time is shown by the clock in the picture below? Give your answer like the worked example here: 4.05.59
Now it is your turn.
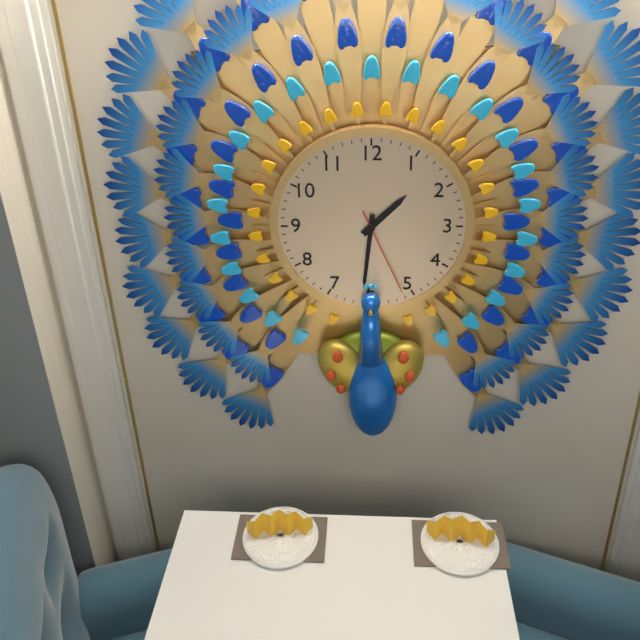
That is 1.31.26
